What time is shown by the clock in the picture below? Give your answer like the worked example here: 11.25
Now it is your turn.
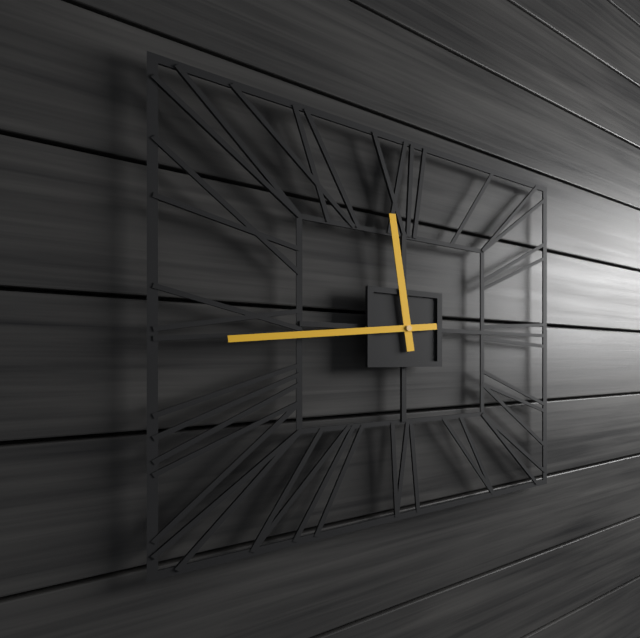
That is 11.44
